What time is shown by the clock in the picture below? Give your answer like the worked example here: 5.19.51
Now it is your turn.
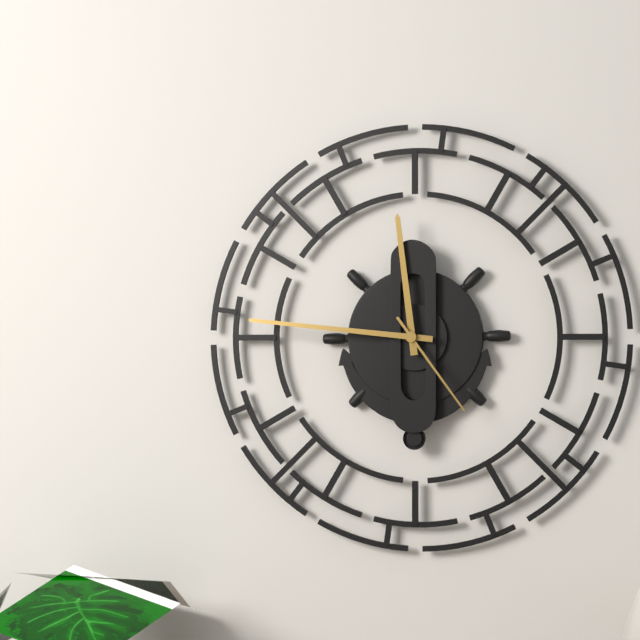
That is 11.46.24
